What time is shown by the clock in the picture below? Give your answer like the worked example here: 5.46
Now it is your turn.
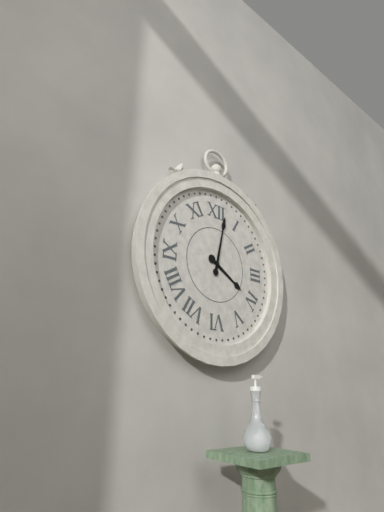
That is 4.02
